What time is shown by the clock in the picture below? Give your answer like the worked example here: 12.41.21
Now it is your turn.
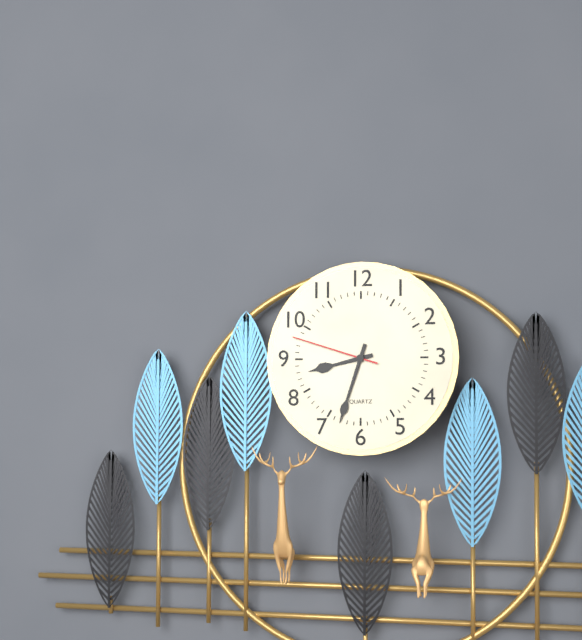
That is 8.33.48
